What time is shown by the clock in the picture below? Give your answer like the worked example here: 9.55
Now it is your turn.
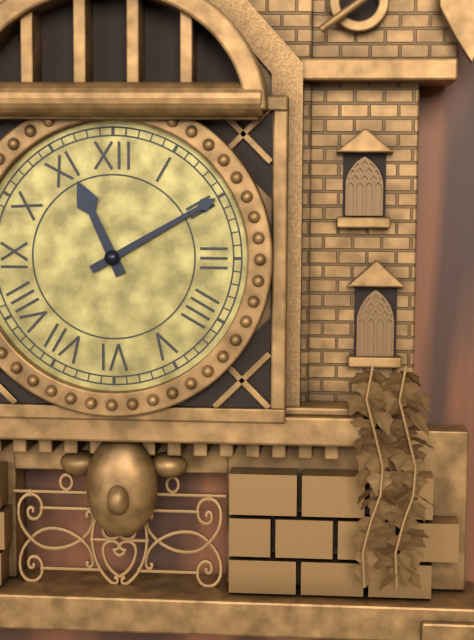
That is 11.10
